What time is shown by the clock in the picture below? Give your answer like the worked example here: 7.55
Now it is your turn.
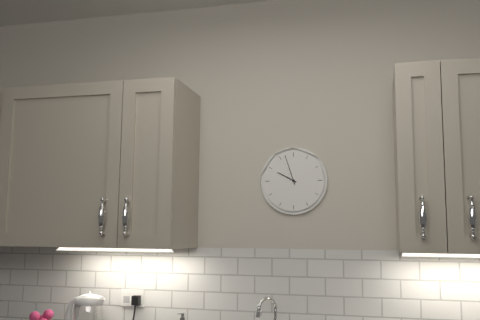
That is 9.57
